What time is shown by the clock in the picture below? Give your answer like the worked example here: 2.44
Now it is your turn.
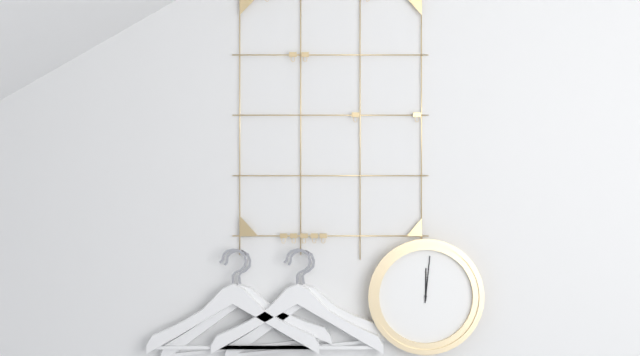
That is 12.01
